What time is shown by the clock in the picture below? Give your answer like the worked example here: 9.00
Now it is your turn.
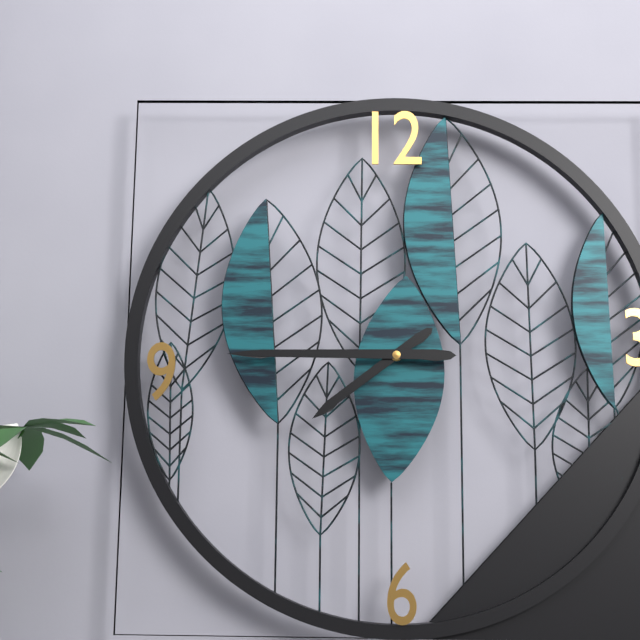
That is 7.45
